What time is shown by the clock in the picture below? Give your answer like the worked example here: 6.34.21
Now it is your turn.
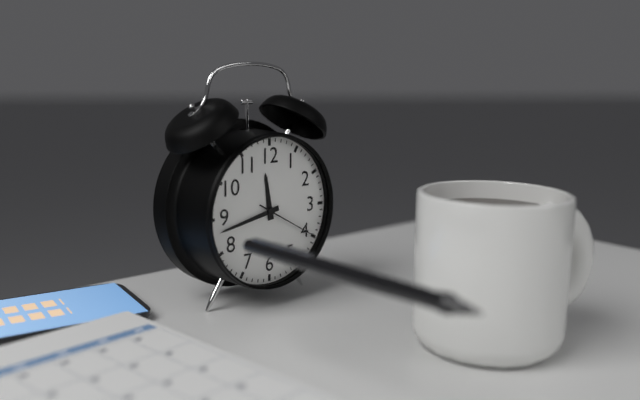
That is 11.43.20
